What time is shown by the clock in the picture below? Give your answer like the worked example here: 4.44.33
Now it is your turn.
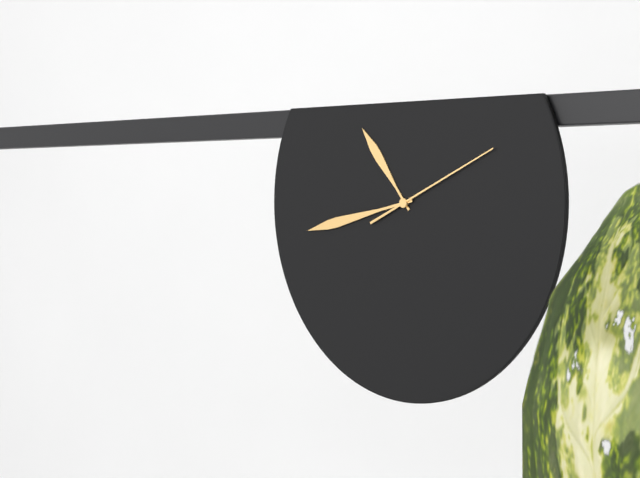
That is 10.43.11
